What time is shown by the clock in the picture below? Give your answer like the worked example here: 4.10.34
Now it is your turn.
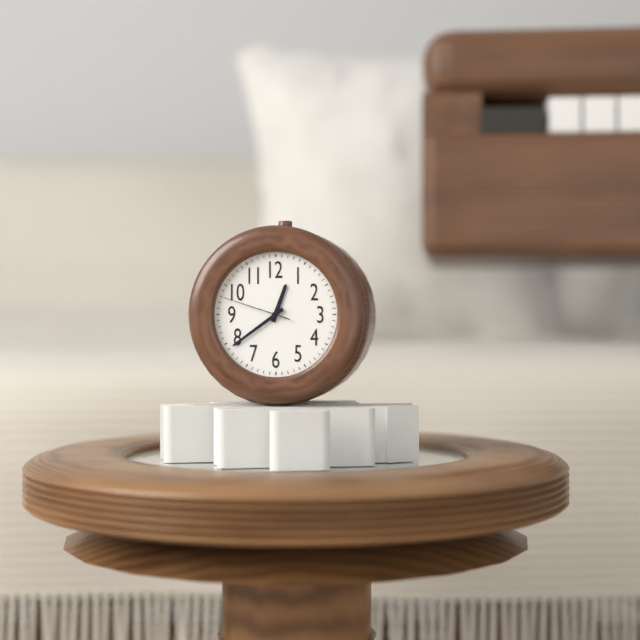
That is 12.39.48
